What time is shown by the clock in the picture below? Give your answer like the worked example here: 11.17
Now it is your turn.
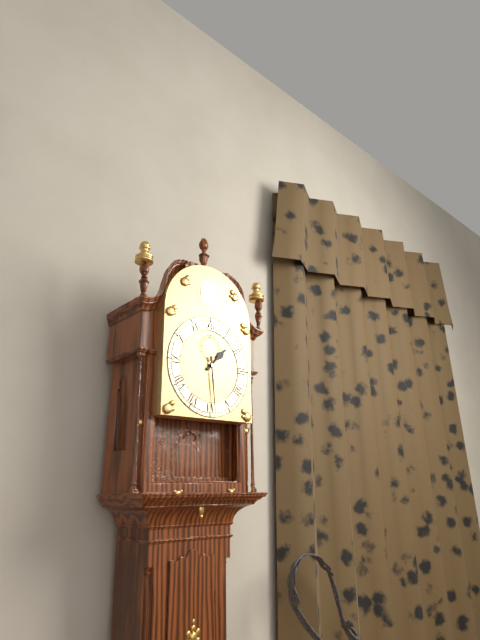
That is 1.29
